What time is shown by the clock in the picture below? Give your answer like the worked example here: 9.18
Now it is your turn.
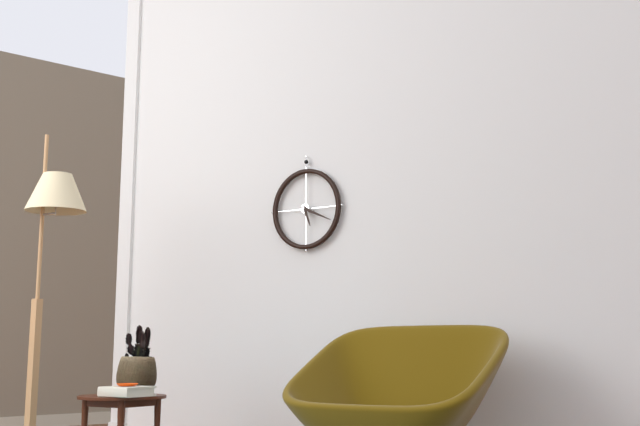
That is 5.19
